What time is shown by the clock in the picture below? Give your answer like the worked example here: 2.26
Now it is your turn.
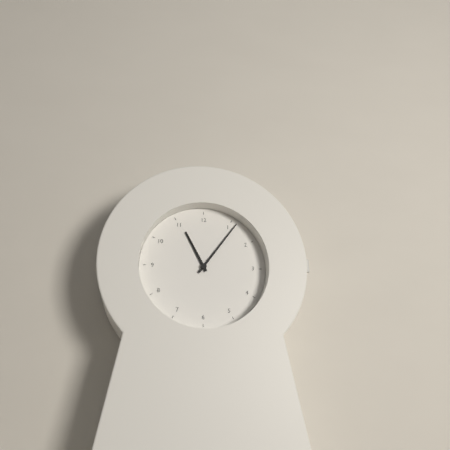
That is 11.06
